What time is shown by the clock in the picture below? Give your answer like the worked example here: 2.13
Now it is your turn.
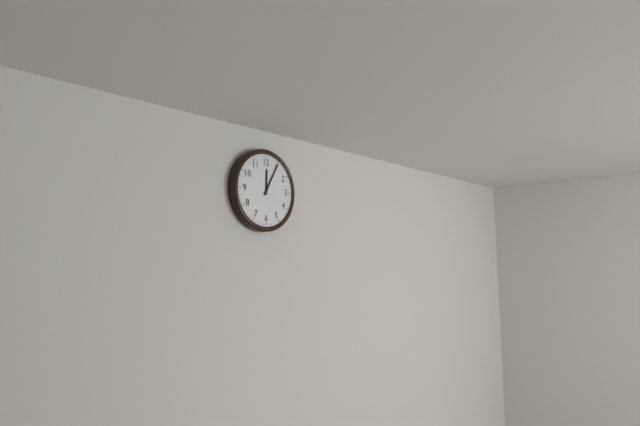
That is 12.05
